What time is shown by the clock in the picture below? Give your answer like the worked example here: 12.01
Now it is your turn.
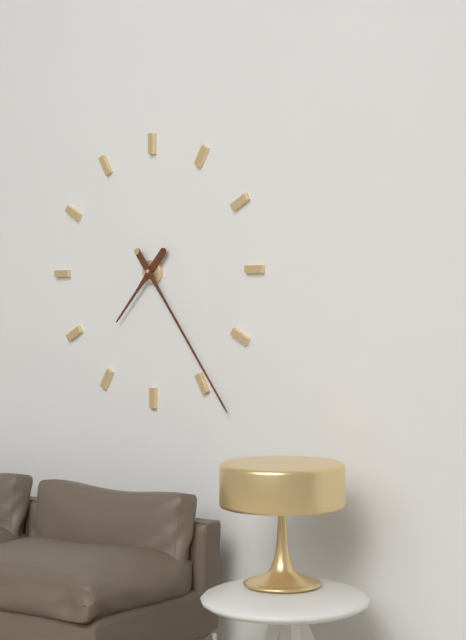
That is 7.24
